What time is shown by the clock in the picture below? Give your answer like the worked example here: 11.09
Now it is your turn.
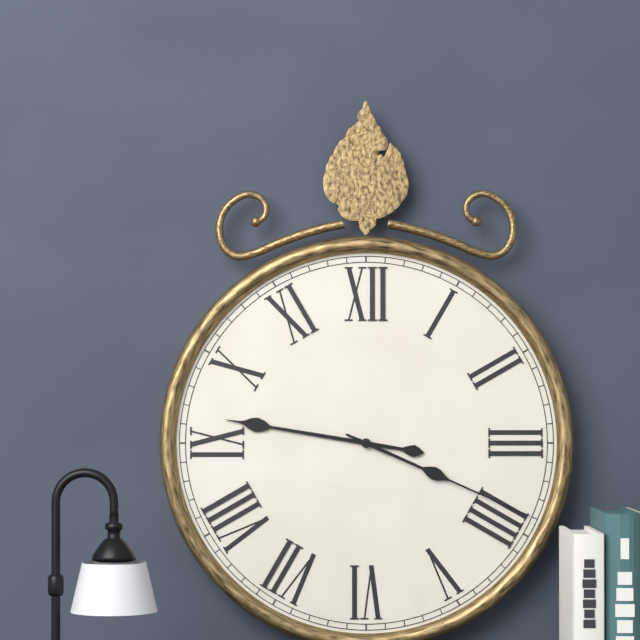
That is 9.19
